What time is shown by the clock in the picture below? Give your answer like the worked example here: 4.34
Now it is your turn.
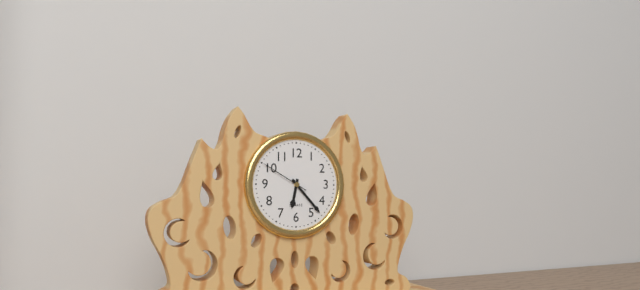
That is 6.23
